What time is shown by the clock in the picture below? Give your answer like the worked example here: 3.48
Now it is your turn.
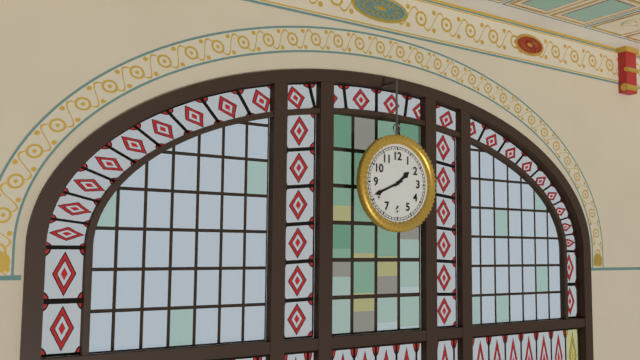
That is 1.41
